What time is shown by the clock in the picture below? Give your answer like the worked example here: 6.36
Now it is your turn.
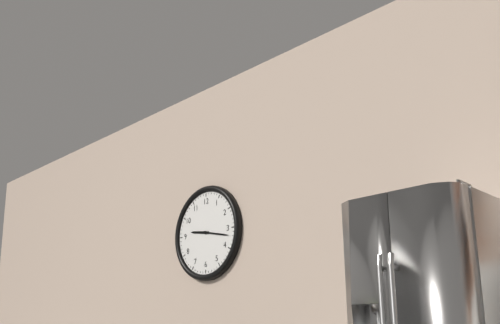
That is 9.17
